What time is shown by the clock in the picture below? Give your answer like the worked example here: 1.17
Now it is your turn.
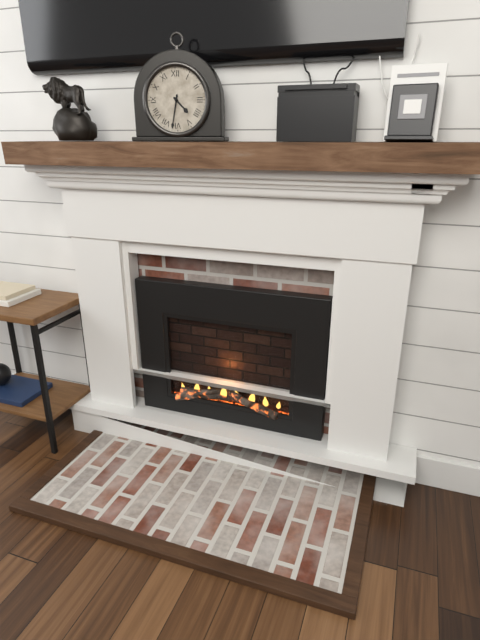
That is 4.32
